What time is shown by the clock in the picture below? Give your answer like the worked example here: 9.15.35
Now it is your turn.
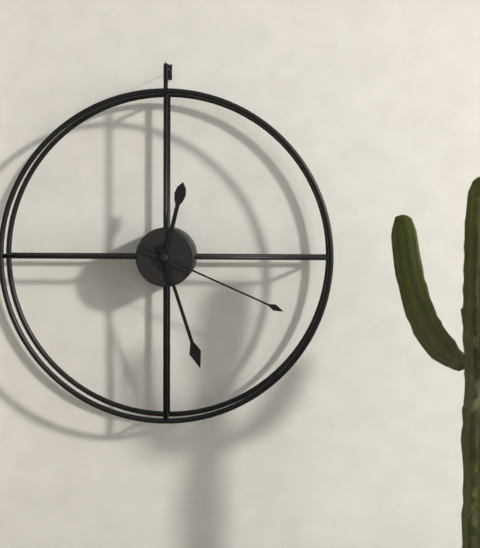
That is 12.27.19
